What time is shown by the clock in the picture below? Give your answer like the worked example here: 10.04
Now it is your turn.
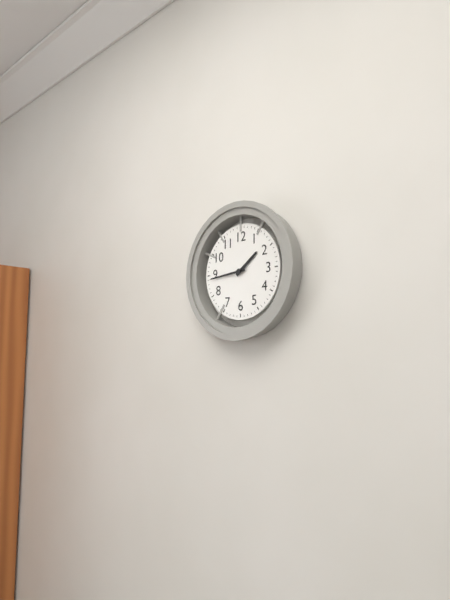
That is 1.44
